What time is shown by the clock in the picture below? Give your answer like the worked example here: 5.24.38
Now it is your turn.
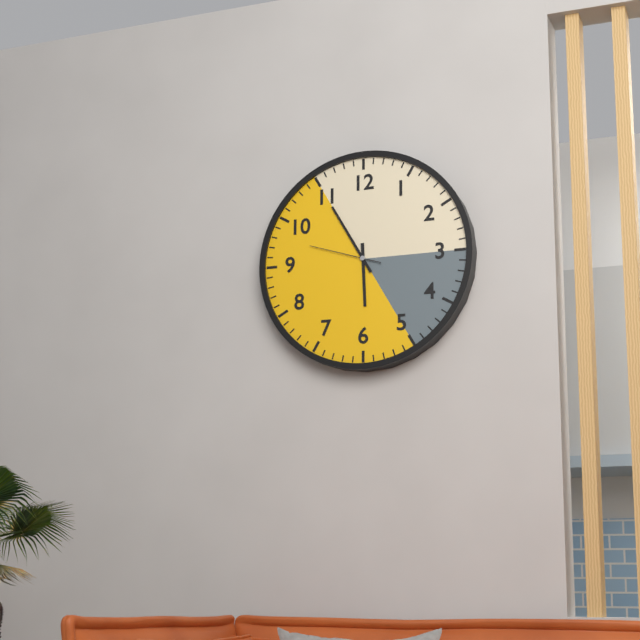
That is 5.55.48
